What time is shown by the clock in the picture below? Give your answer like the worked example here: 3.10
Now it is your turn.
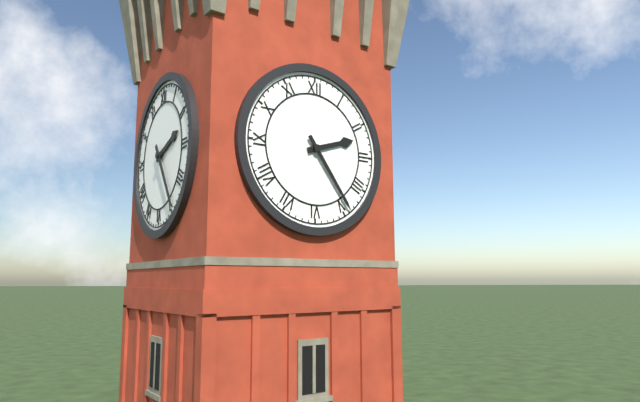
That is 2.24
